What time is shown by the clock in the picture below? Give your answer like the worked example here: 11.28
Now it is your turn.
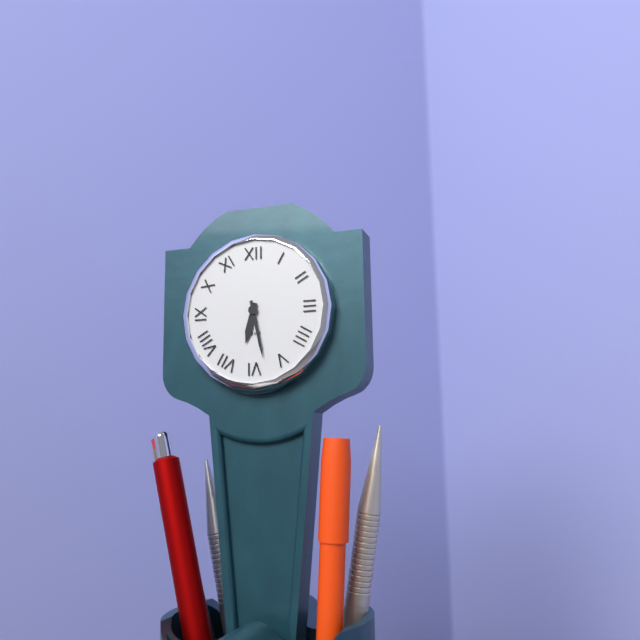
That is 6.28
